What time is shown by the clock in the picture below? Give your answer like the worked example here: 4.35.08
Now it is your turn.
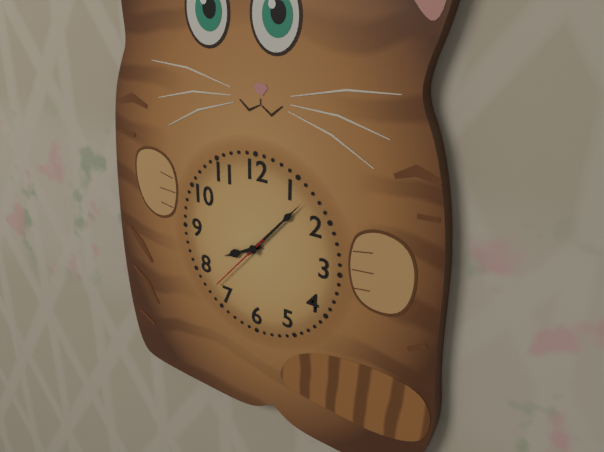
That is 8.07.37
